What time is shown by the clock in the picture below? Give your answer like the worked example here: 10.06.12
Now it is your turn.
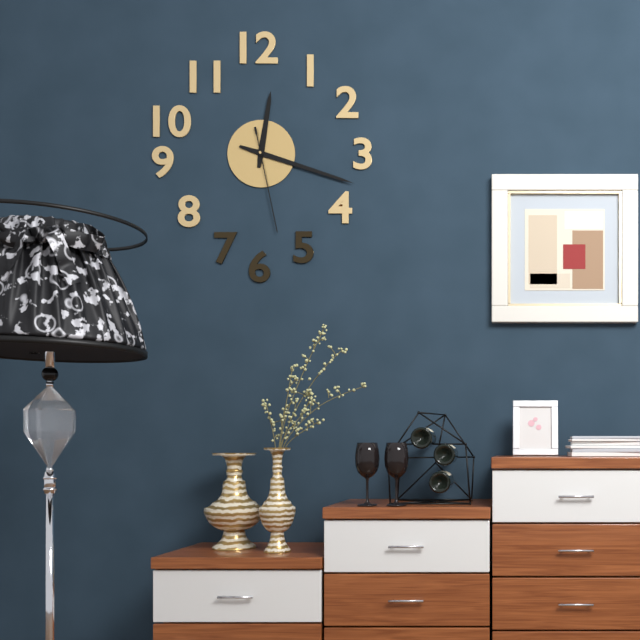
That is 12.18.28
